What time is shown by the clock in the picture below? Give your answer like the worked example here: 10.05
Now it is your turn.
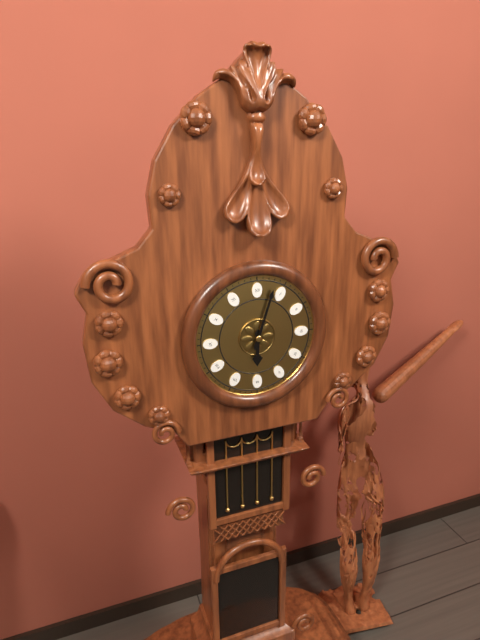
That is 6.03
